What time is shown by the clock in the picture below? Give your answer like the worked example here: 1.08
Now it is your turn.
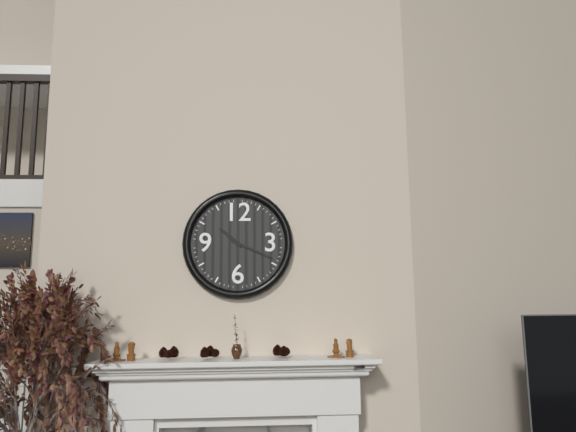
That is 10.19
